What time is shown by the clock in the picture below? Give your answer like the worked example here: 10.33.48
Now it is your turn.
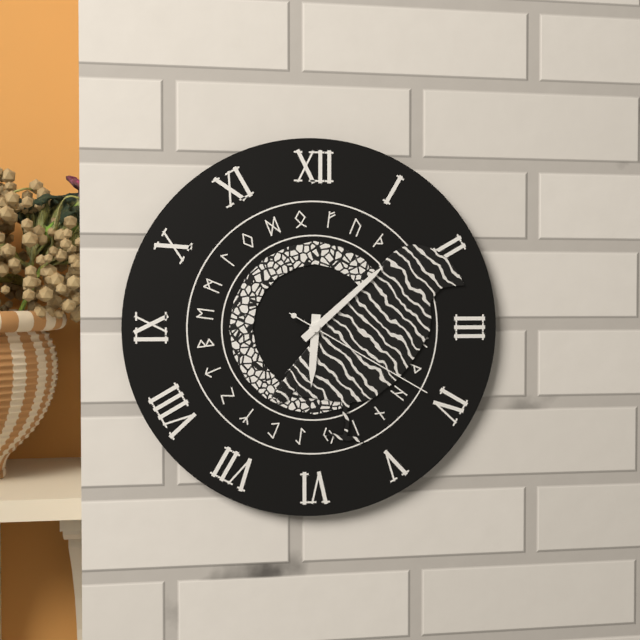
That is 6.08.20
